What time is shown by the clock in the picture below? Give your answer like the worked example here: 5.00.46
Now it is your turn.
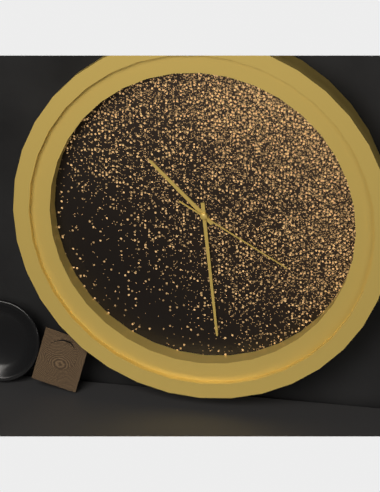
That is 10.29.20
